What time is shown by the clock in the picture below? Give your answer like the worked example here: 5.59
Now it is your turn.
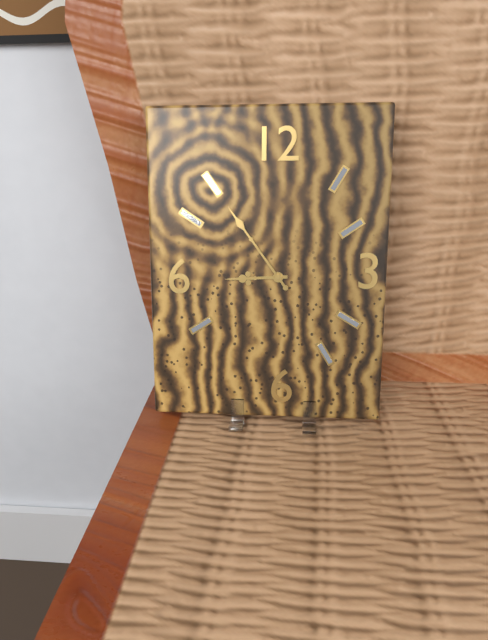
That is 8.54
